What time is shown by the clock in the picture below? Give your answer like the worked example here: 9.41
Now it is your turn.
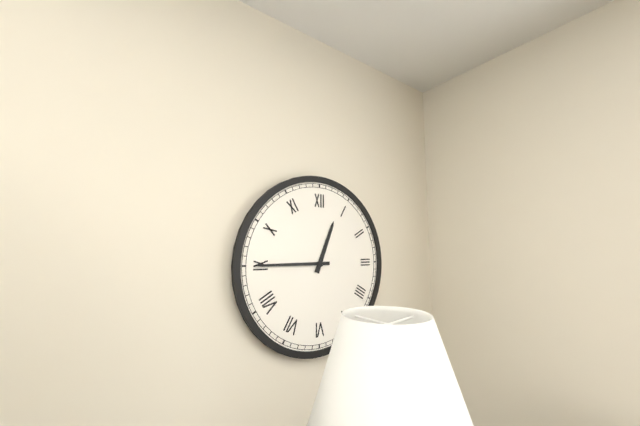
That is 12.45
